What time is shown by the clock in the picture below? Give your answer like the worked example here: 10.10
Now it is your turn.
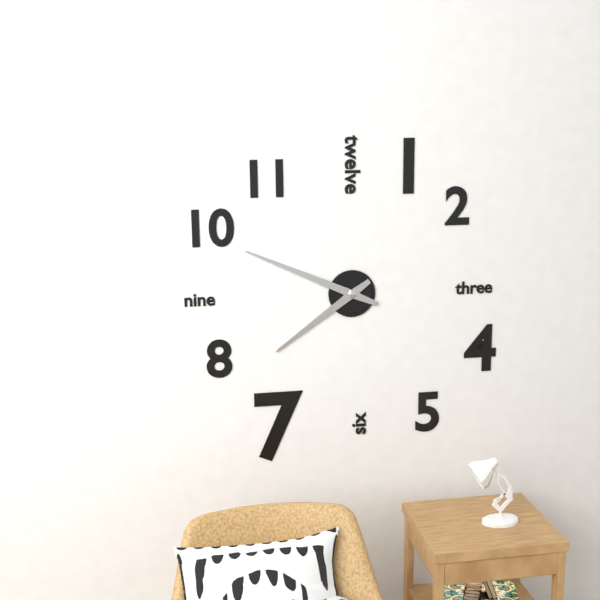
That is 7.49
